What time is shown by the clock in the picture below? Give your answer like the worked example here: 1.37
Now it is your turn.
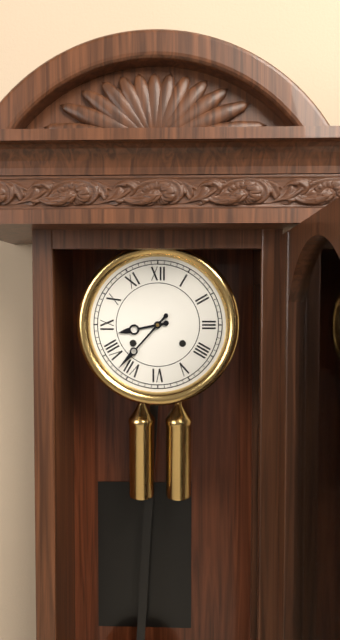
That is 8.37
